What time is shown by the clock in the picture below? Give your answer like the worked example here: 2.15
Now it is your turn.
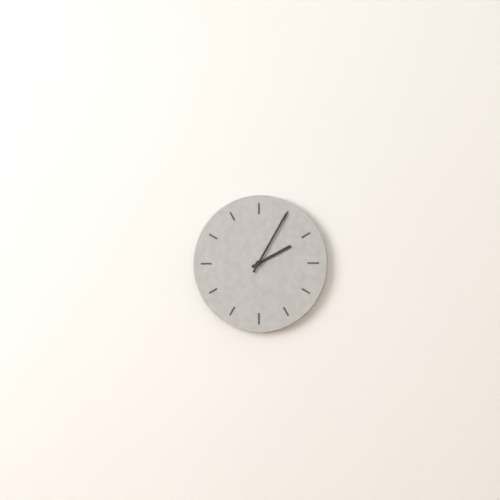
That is 2.05
